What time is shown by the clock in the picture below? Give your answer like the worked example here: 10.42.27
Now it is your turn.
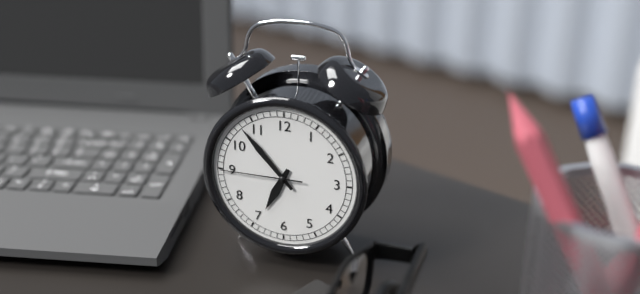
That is 6.53.45
